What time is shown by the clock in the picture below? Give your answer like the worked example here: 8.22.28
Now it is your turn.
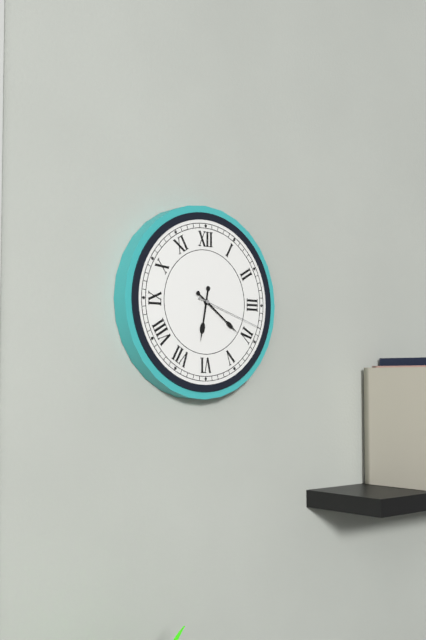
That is 6.21.18
